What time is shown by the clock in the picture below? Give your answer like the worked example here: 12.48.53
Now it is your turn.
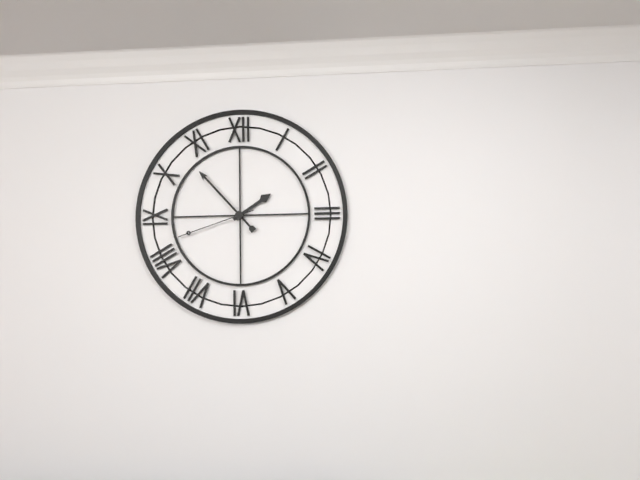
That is 1.53.42
